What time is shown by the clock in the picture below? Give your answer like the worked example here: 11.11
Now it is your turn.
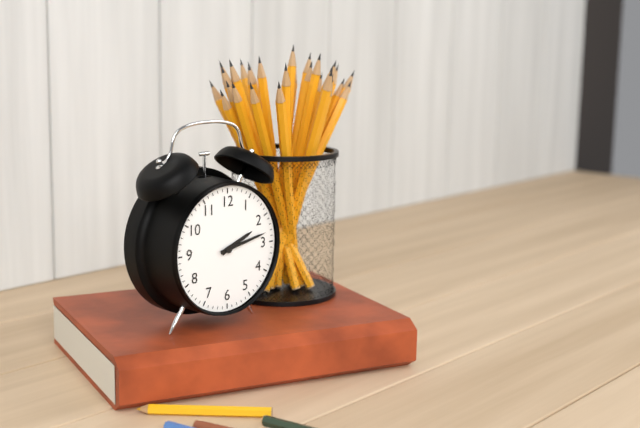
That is 2.13
